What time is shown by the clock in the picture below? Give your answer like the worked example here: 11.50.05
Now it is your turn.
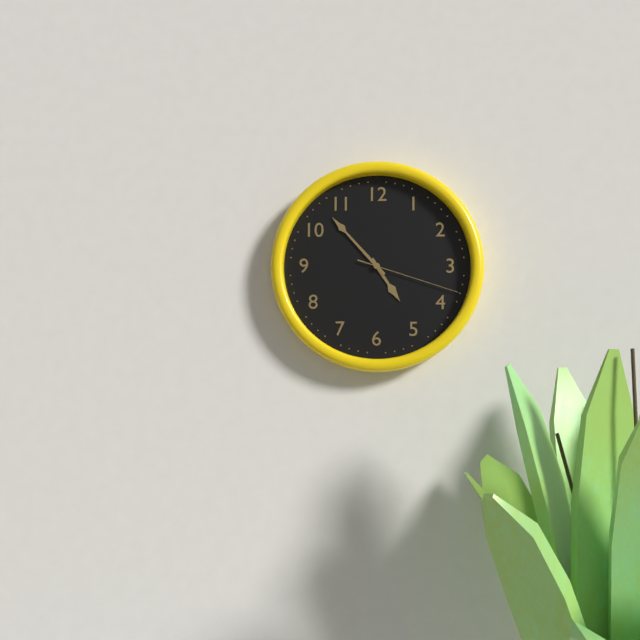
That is 4.53.18
